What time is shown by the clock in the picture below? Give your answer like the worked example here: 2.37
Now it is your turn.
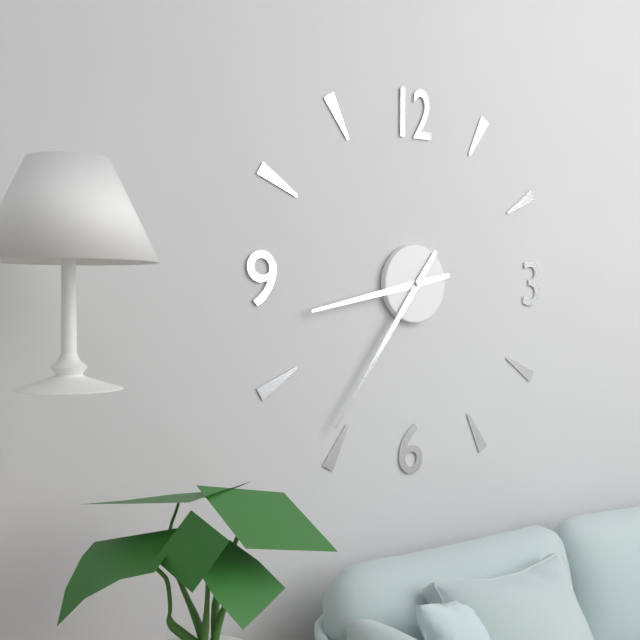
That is 8.36
